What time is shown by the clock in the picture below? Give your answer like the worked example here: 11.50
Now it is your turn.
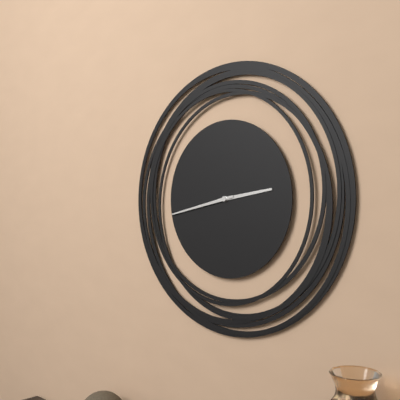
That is 2.43
